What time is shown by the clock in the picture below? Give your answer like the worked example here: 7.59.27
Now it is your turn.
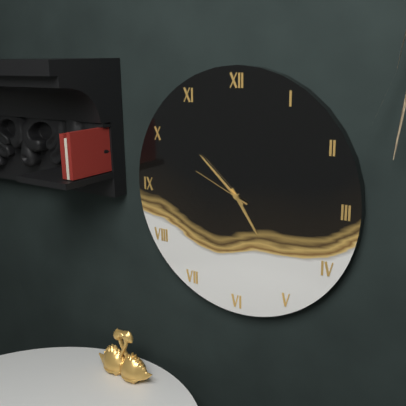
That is 4.52.49
